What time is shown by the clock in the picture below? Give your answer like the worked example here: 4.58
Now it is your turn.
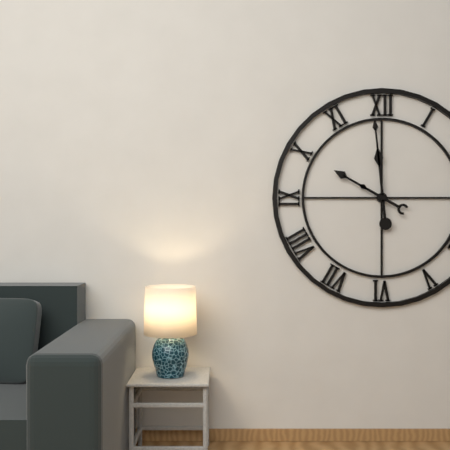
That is 9.59
